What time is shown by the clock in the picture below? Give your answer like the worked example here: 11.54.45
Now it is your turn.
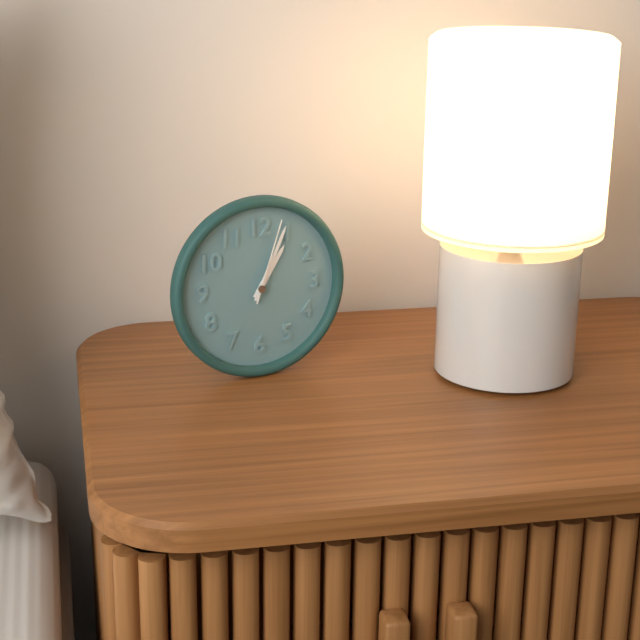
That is 1.04.03
